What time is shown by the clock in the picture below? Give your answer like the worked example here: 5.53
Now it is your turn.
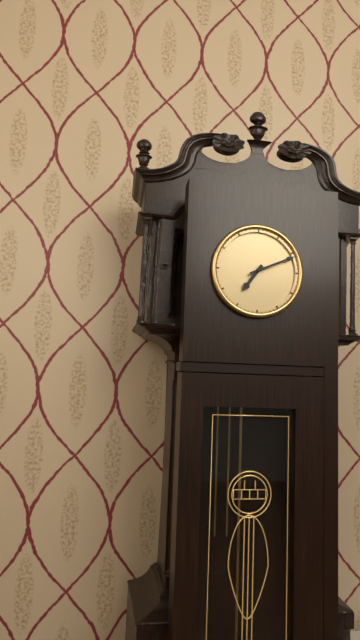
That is 7.11
